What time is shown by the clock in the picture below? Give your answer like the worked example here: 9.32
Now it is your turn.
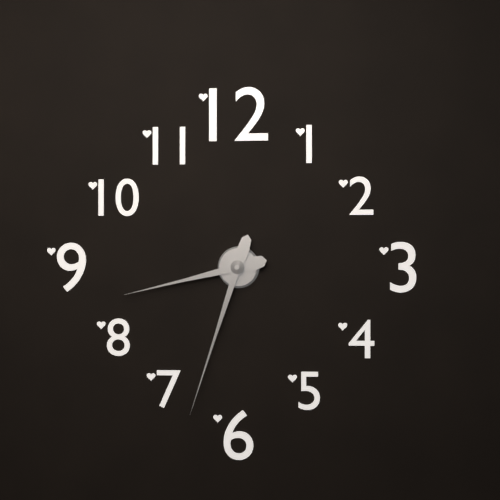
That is 8.33
